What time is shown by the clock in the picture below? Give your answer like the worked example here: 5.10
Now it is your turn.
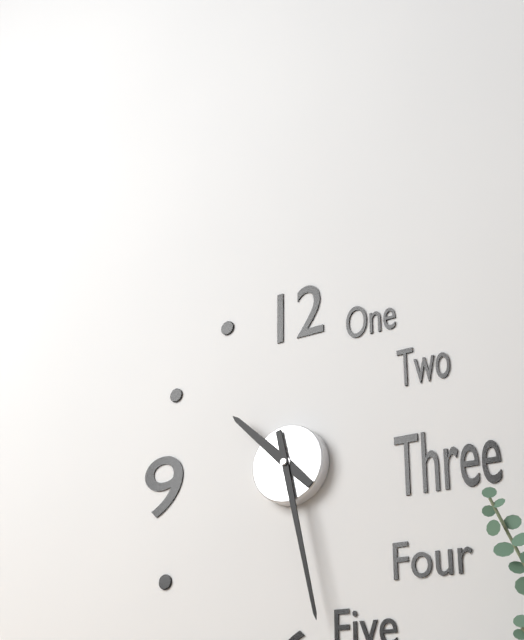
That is 10.28
